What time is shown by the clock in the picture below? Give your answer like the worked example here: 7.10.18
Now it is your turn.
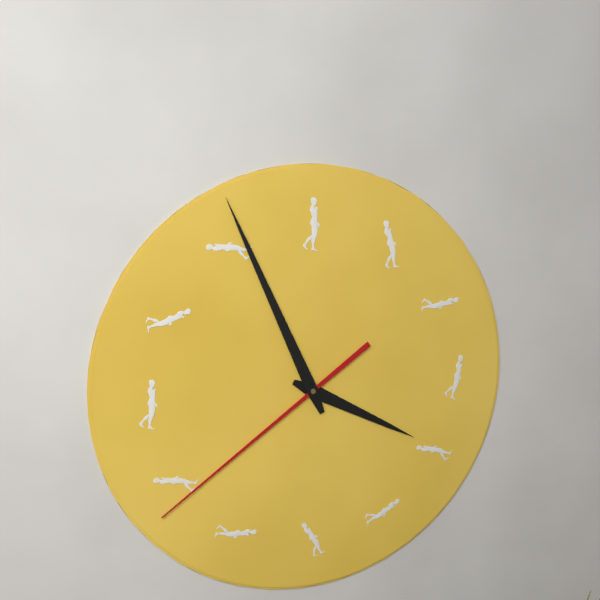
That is 3.56.39
